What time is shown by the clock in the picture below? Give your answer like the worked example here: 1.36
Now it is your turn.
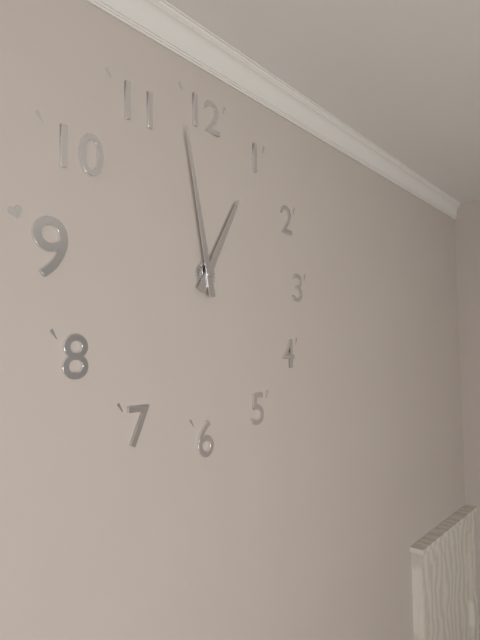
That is 12.58
